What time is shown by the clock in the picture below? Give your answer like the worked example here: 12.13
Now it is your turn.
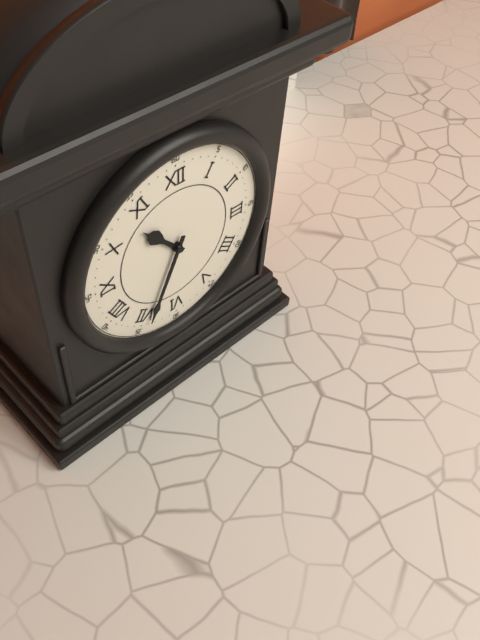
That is 10.34
